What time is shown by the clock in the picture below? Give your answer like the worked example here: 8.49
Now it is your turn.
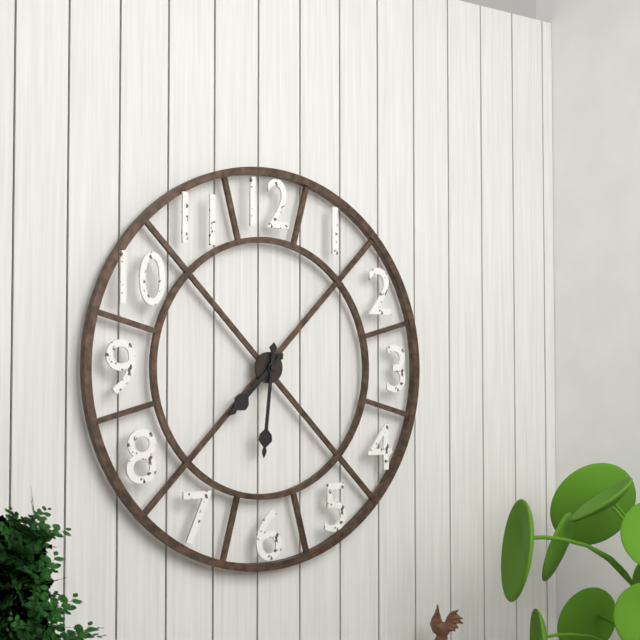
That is 7.31
